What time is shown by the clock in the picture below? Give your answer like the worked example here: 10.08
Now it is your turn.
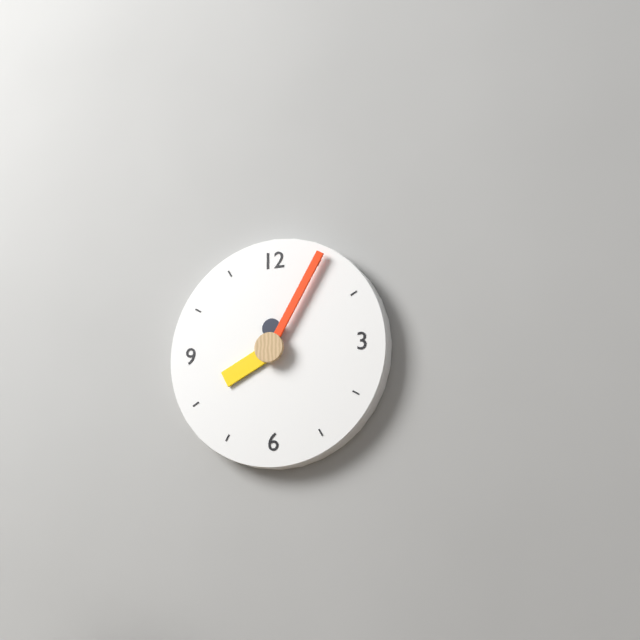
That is 8.05
